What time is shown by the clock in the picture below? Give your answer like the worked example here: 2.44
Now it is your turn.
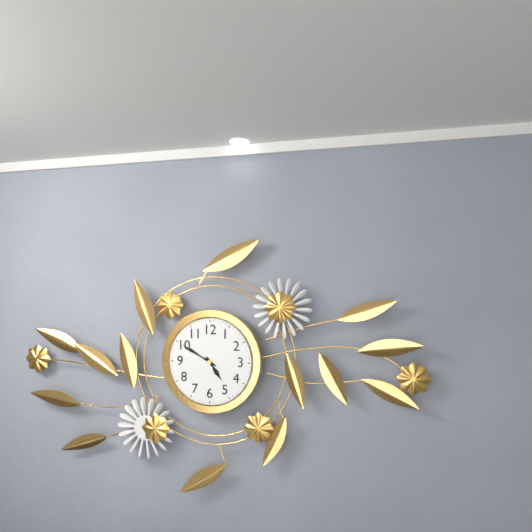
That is 4.50
